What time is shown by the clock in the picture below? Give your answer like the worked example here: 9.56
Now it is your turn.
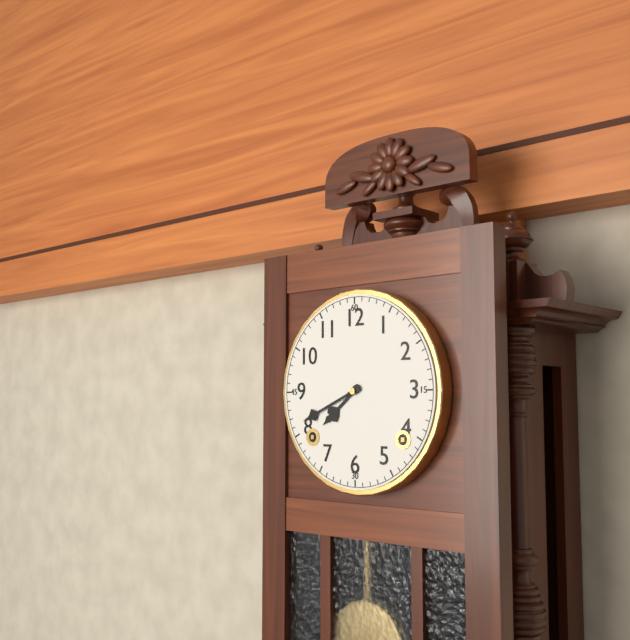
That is 7.41
